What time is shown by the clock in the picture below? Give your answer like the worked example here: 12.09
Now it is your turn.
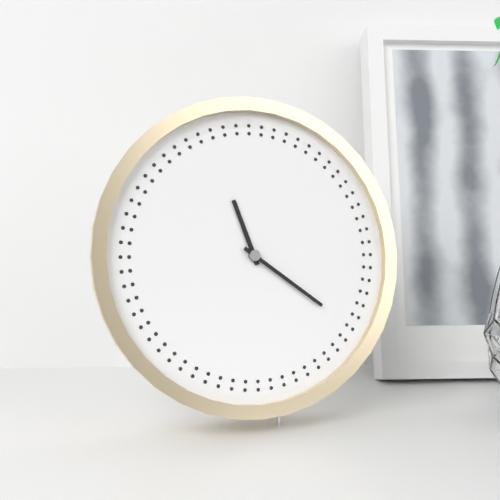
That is 11.21
